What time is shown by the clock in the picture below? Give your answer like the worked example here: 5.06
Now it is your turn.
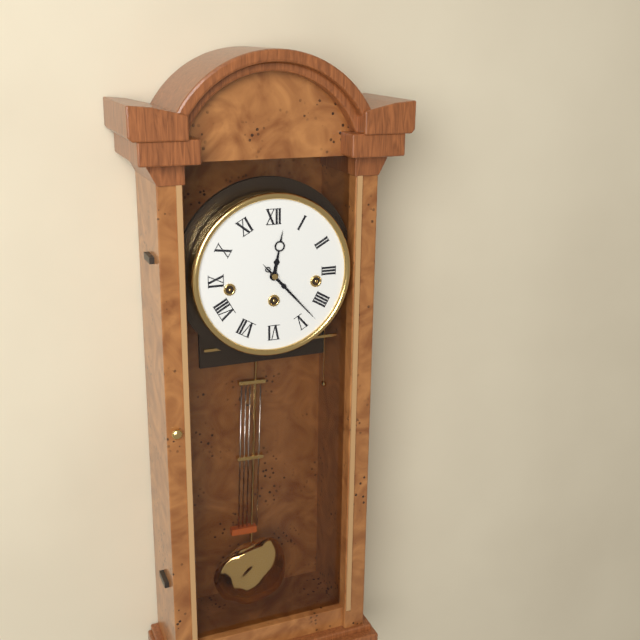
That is 12.23
